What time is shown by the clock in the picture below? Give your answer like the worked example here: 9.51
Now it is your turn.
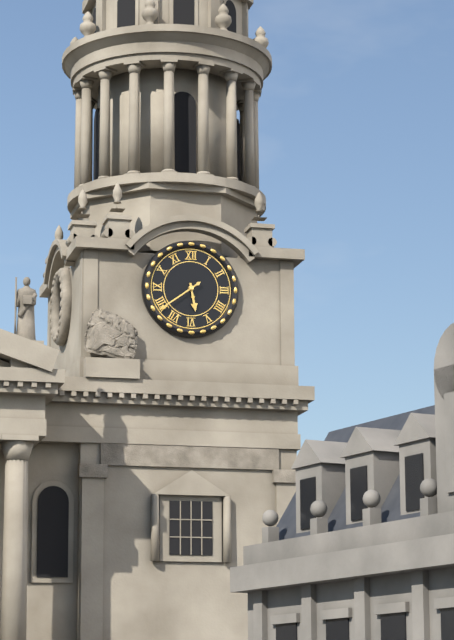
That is 5.39
